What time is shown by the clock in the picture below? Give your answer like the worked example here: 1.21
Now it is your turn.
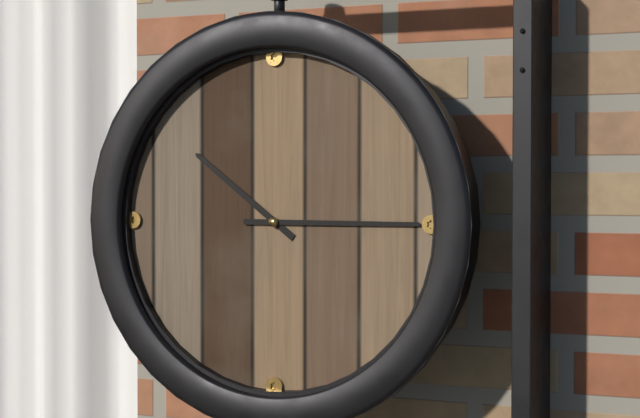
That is 10.15
